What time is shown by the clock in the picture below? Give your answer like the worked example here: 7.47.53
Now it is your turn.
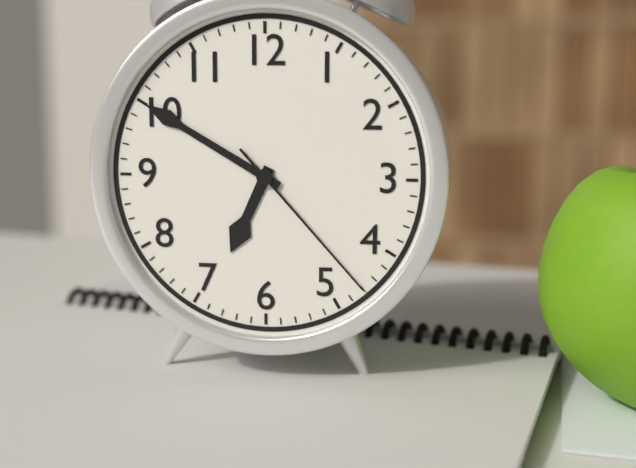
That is 6.50.23
